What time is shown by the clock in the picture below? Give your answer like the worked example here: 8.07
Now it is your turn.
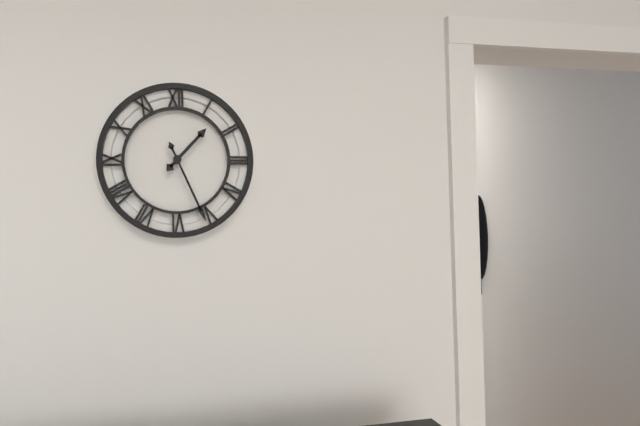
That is 1.26
